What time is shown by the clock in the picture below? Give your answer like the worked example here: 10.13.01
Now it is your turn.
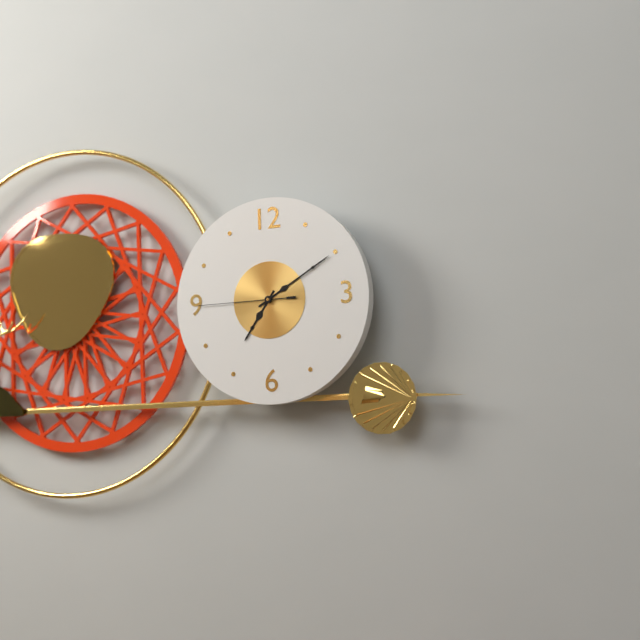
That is 7.10.45
